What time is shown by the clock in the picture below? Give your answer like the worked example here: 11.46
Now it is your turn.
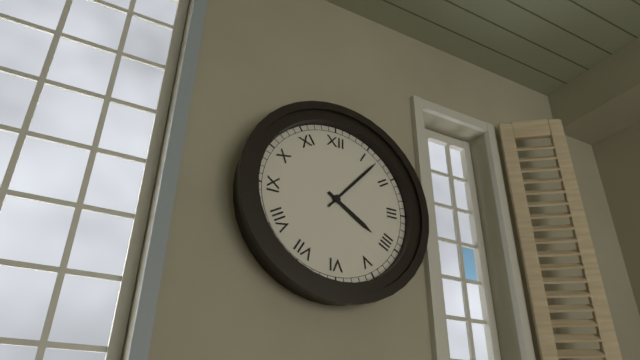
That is 4.07
